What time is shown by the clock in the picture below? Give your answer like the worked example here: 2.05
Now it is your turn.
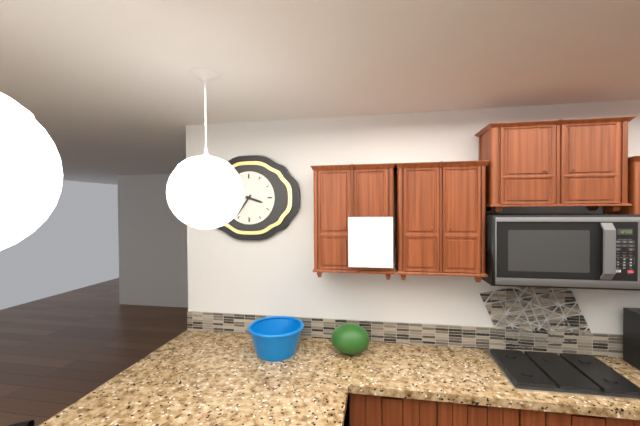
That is 3.36
